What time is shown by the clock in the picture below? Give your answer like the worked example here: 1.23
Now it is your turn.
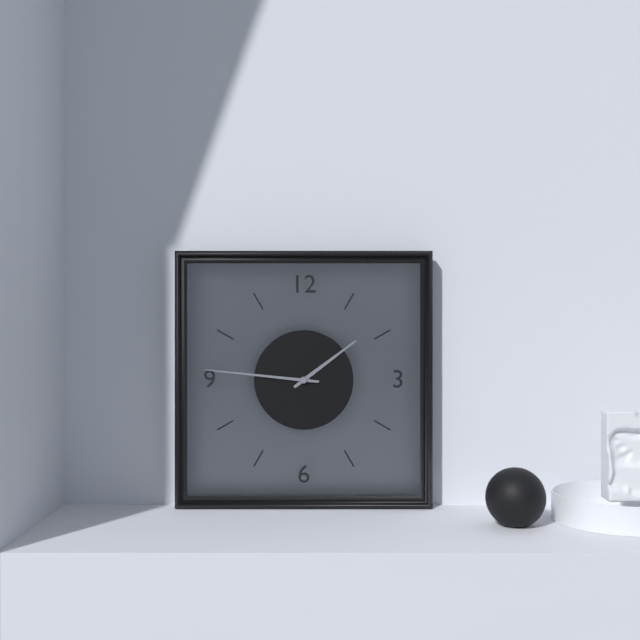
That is 1.46
